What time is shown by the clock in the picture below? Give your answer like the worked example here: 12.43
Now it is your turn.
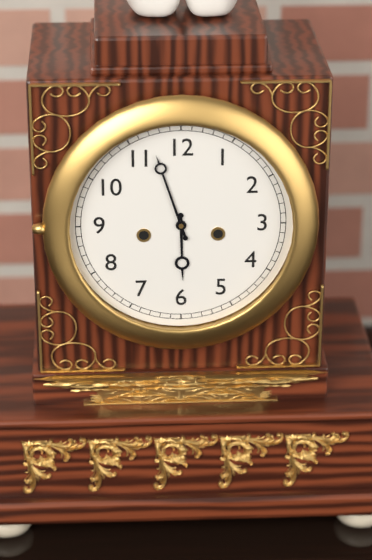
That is 5.57
